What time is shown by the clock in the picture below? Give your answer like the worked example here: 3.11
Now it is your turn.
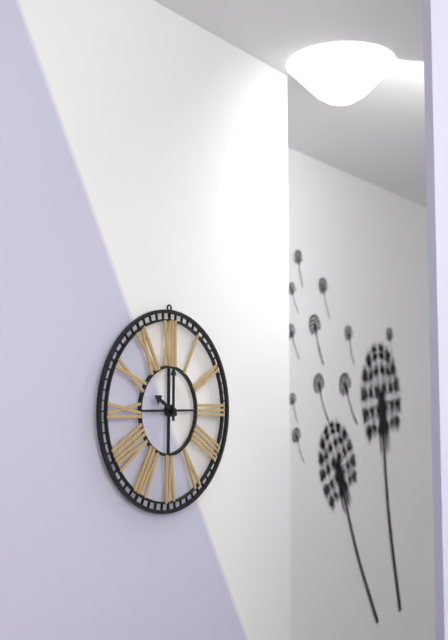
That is 10.00
